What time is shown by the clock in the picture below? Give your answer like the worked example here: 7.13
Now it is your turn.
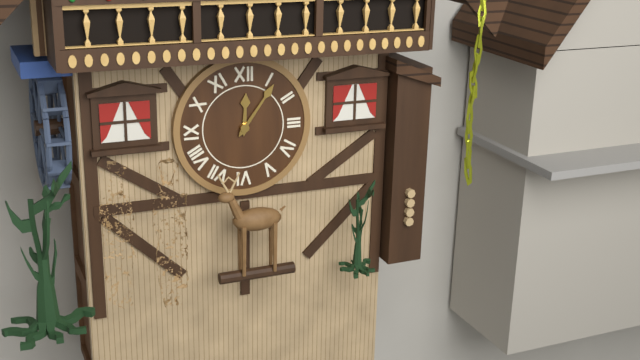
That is 12.06
